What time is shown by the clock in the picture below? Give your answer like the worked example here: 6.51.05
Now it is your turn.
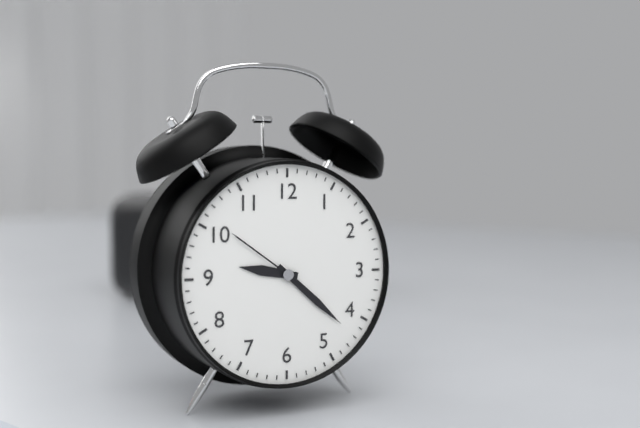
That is 9.22.51
